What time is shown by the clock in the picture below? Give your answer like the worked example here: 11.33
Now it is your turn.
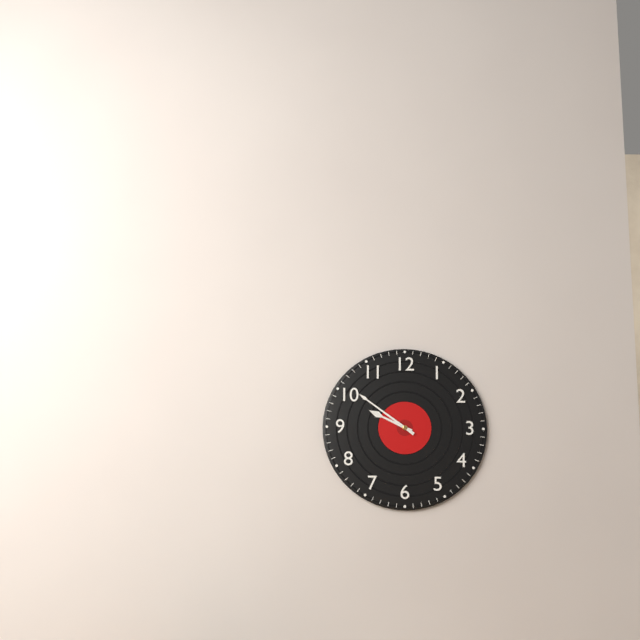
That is 9.51
